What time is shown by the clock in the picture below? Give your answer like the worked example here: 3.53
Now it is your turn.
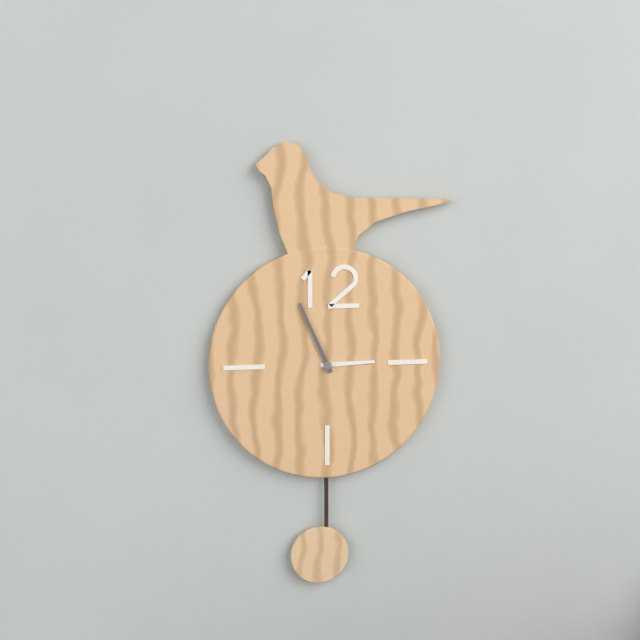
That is 2.56
